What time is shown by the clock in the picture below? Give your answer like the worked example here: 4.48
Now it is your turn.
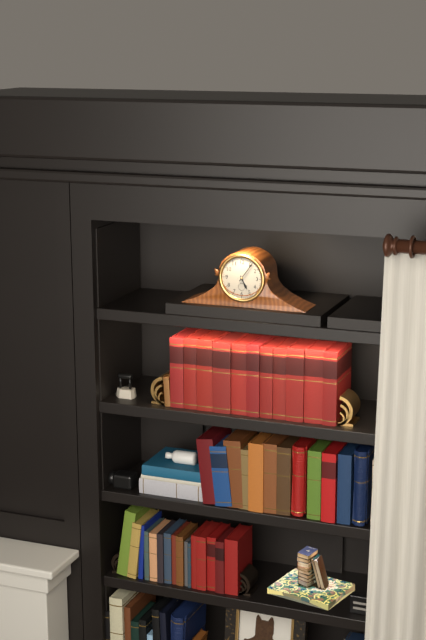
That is 5.06
